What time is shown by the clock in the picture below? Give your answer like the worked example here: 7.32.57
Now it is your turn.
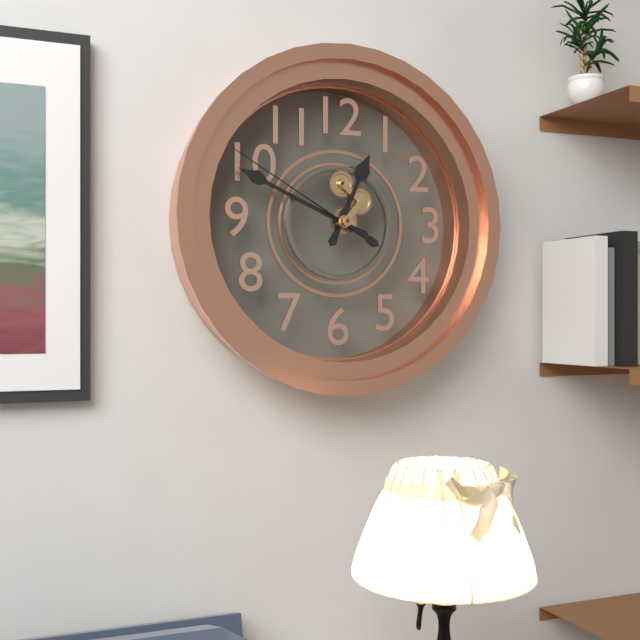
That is 12.49.50
